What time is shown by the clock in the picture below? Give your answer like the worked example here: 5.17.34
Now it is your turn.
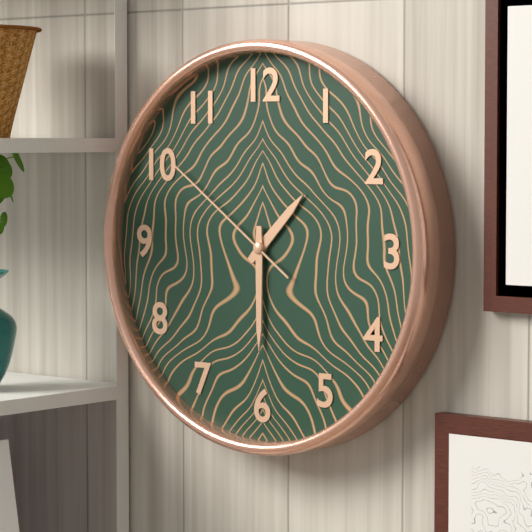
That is 1.30.51
